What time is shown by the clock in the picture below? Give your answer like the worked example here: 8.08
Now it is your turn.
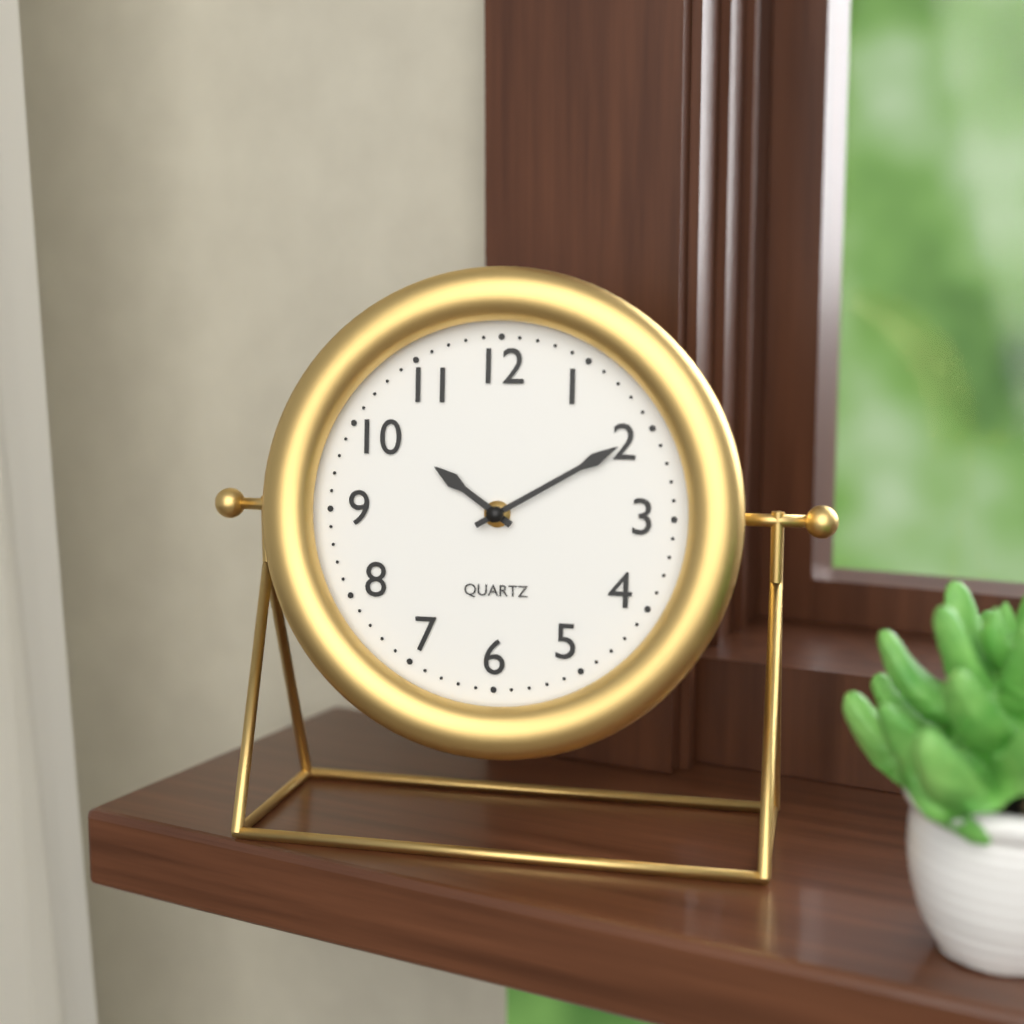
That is 10.10
